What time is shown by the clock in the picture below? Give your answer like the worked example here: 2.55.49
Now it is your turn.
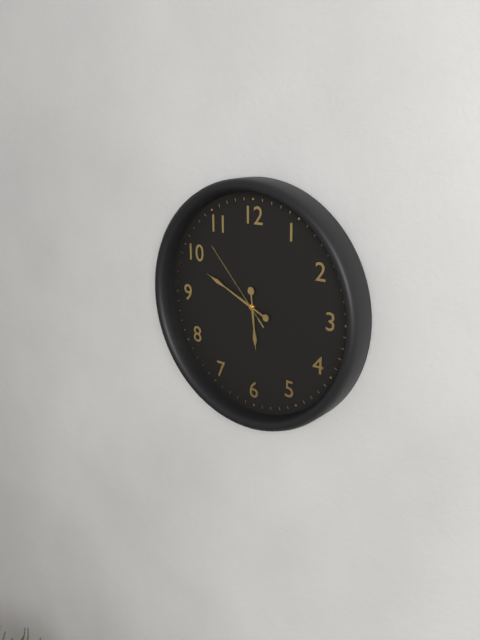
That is 5.49.53
